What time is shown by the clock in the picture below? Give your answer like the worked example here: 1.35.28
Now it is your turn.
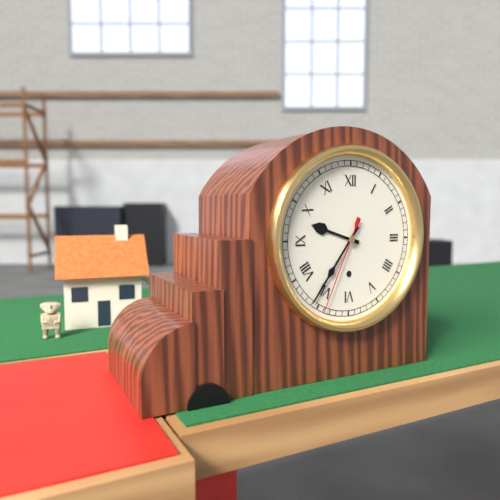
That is 9.36.34
